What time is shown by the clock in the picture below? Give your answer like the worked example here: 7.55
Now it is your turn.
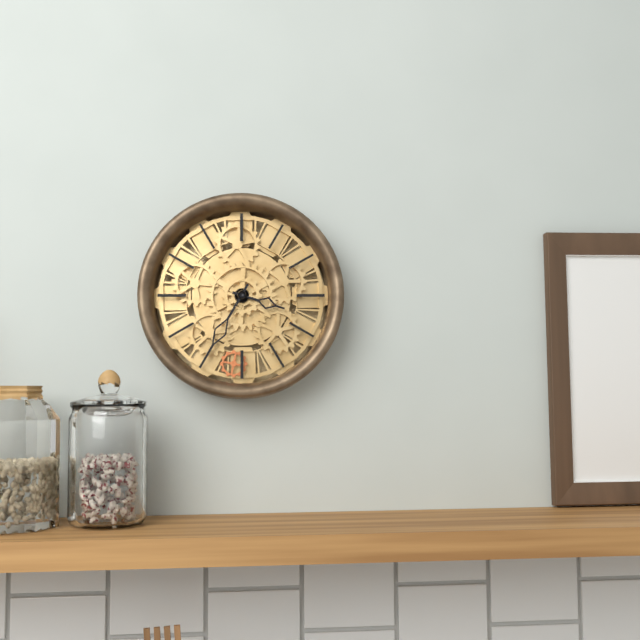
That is 3.35
